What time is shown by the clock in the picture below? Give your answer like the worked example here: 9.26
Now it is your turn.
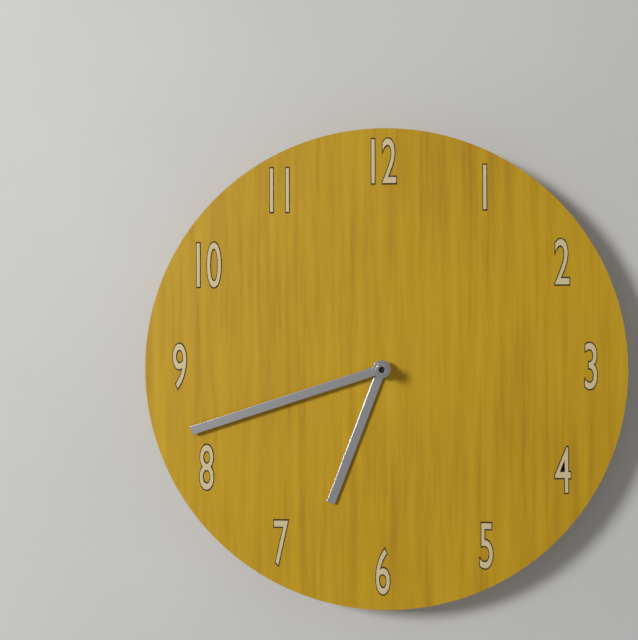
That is 6.42
